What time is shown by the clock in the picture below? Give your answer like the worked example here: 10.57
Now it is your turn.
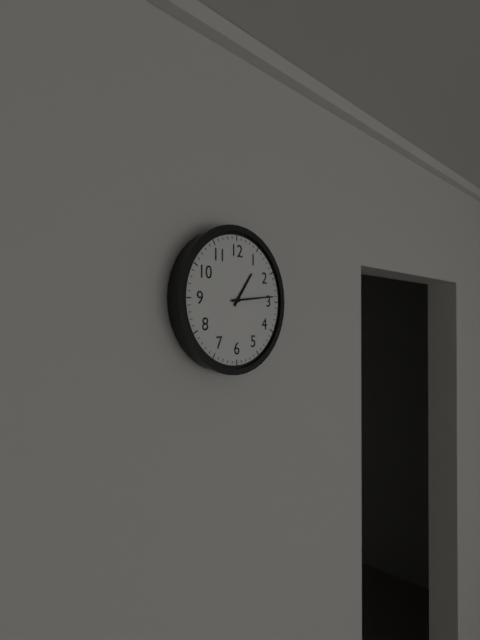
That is 1.14
